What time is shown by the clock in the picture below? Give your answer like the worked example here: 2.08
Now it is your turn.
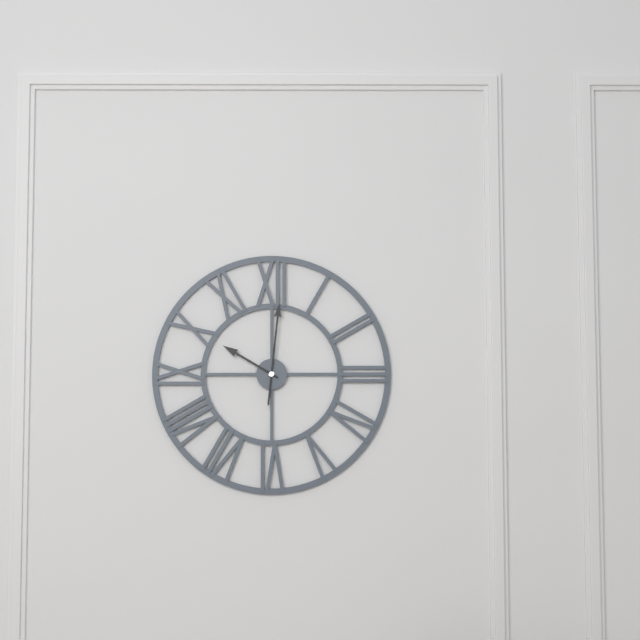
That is 10.01
